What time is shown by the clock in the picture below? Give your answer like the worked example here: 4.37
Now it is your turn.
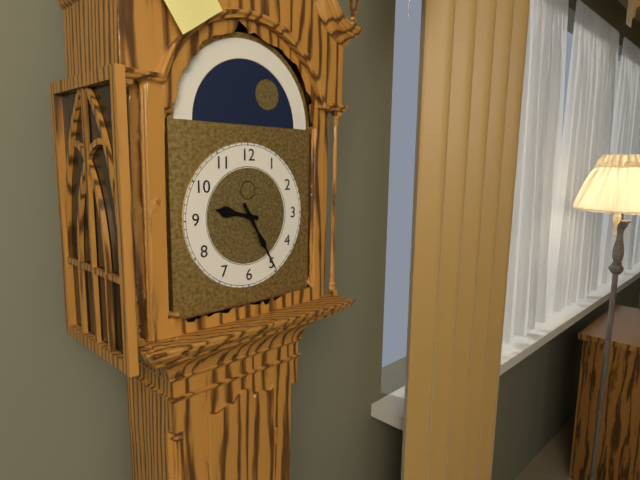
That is 9.25
